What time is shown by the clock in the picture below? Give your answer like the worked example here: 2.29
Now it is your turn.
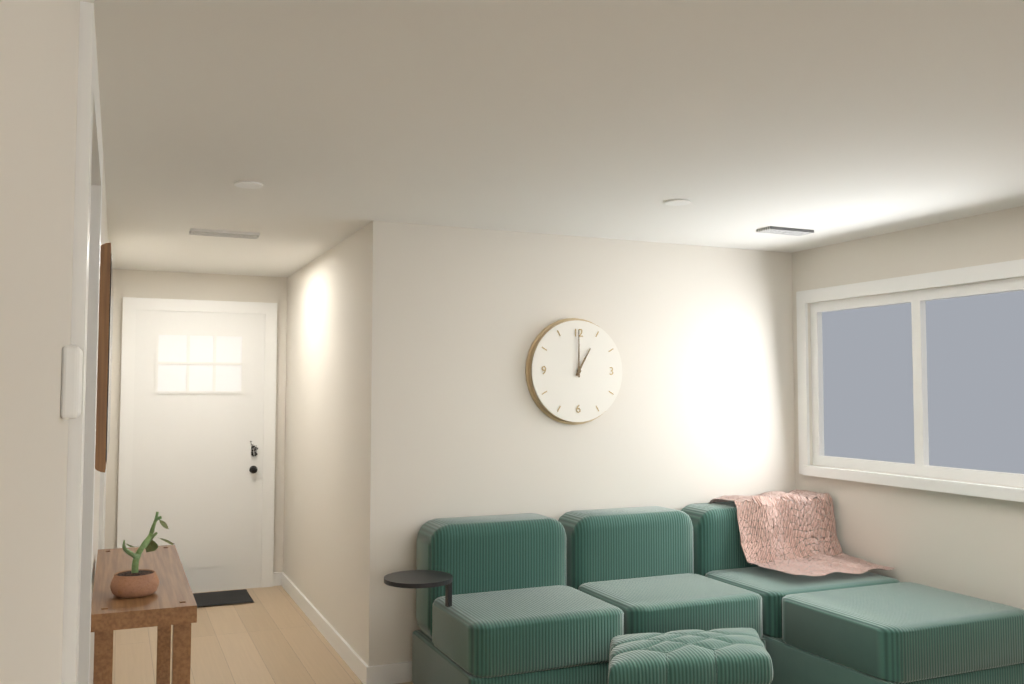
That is 1.00
